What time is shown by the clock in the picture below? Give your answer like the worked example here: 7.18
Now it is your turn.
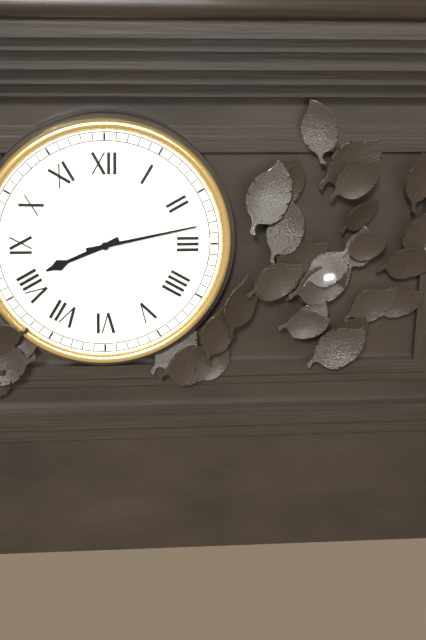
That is 8.13
